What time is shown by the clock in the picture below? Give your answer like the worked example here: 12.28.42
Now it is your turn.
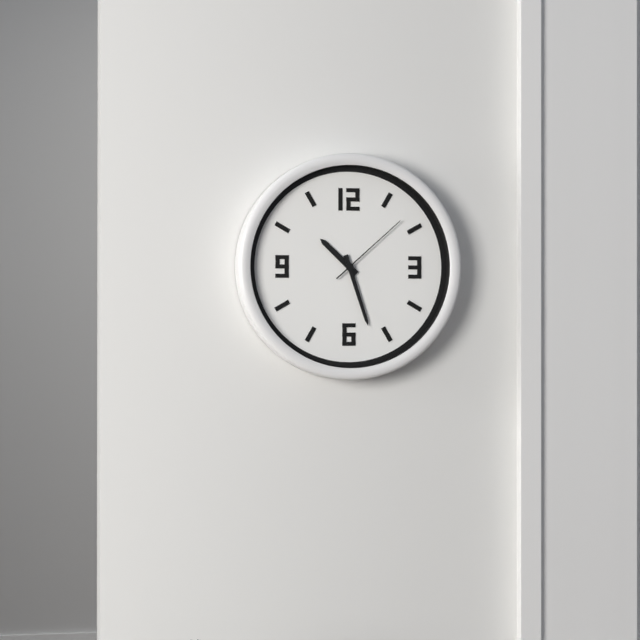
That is 10.27.08
